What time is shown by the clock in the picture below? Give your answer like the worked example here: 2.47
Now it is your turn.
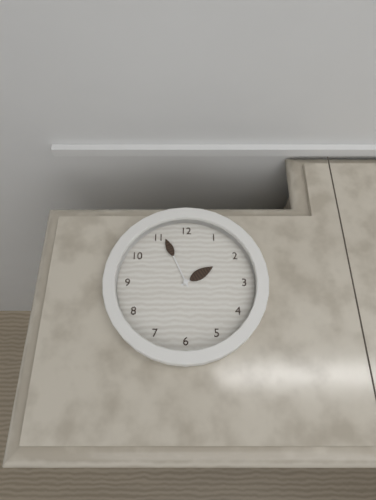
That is 1.56
